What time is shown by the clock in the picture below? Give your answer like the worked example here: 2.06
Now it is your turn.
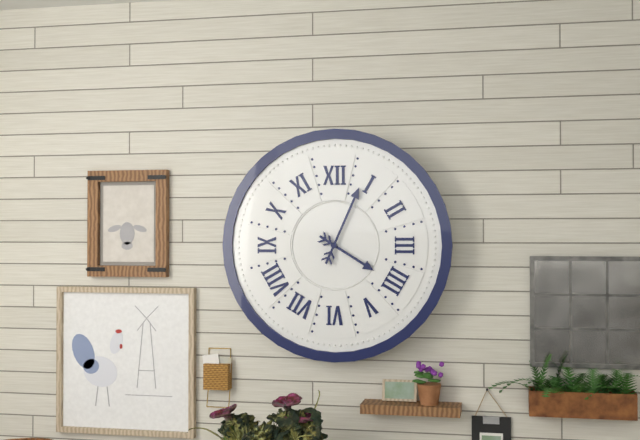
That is 4.04
